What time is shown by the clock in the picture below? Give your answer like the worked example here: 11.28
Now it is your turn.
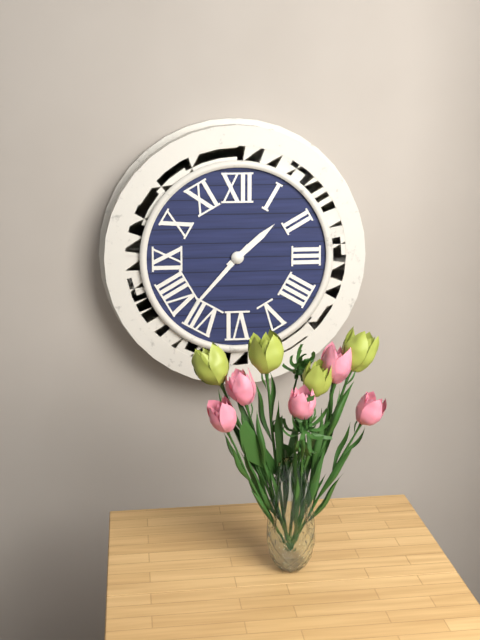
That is 1.37
